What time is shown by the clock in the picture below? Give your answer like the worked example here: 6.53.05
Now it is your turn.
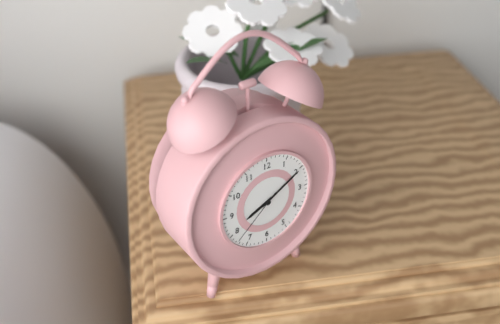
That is 8.10.38
